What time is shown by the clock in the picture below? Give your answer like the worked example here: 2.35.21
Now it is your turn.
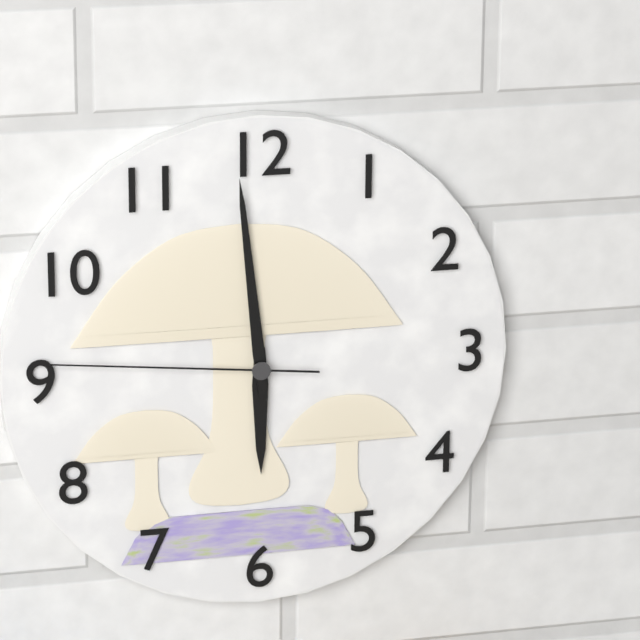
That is 5.59.46
